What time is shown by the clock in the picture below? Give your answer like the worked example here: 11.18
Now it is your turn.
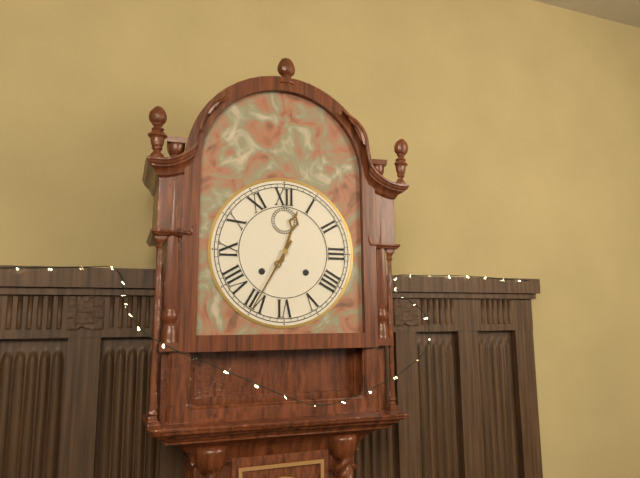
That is 12.35
